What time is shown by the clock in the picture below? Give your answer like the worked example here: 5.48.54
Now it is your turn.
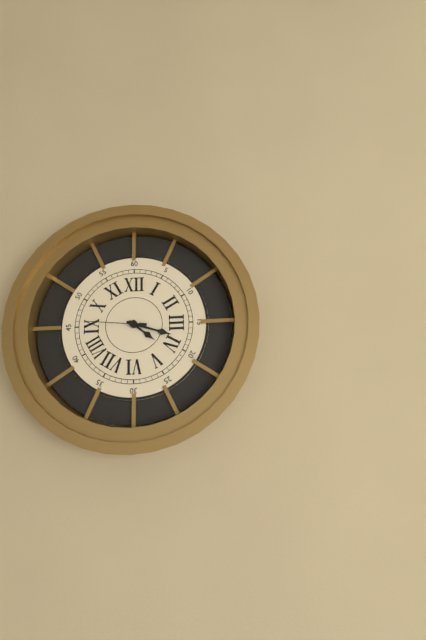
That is 4.18.46
